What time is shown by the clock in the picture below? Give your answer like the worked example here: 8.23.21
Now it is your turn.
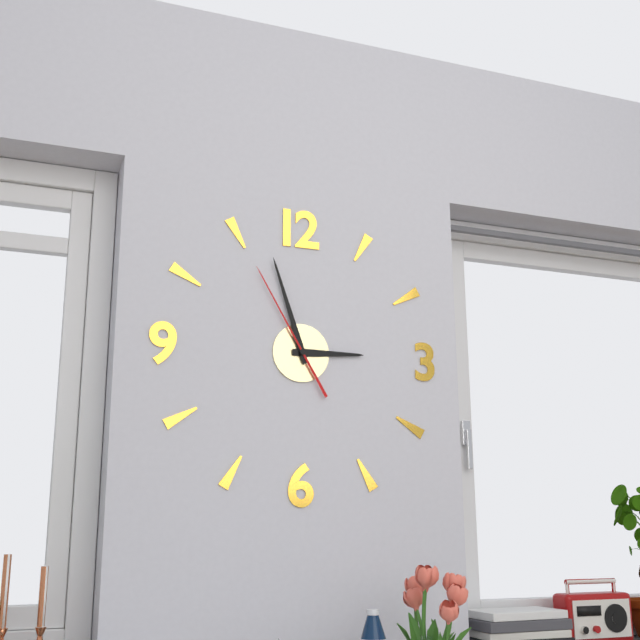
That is 2.57.55
